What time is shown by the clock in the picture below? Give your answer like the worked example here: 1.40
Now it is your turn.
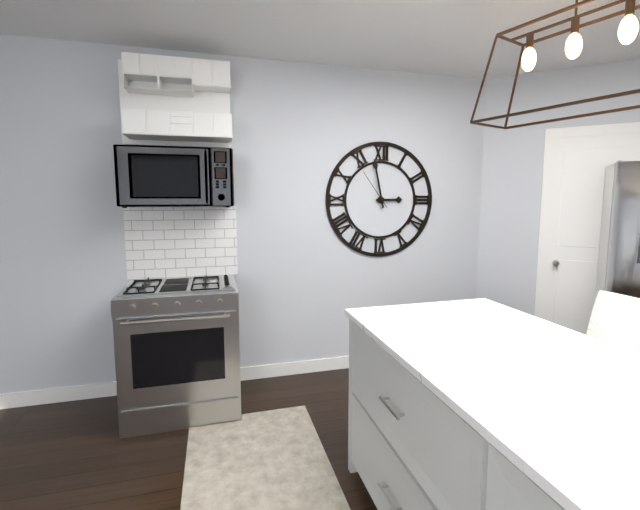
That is 2.58
